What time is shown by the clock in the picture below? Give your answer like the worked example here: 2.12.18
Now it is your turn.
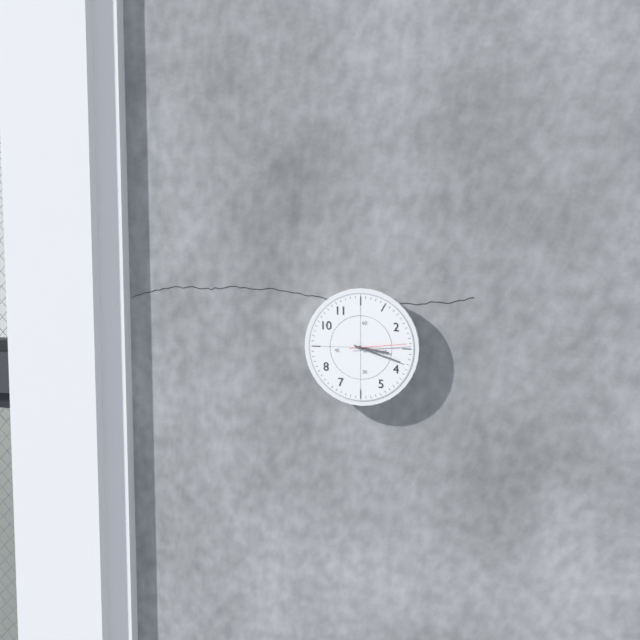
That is 3.18.14
